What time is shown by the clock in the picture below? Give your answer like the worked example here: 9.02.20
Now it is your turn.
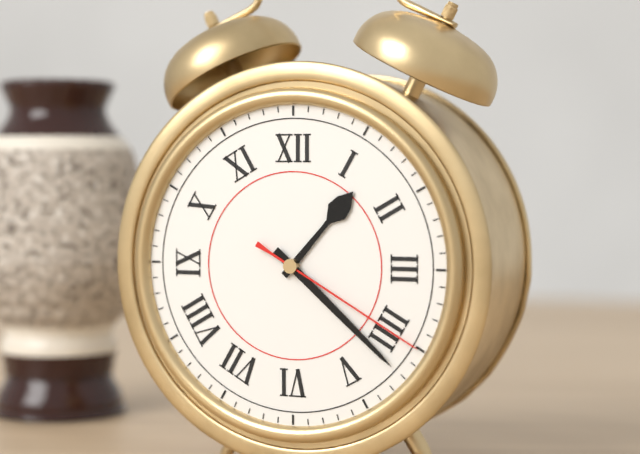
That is 1.22.20
